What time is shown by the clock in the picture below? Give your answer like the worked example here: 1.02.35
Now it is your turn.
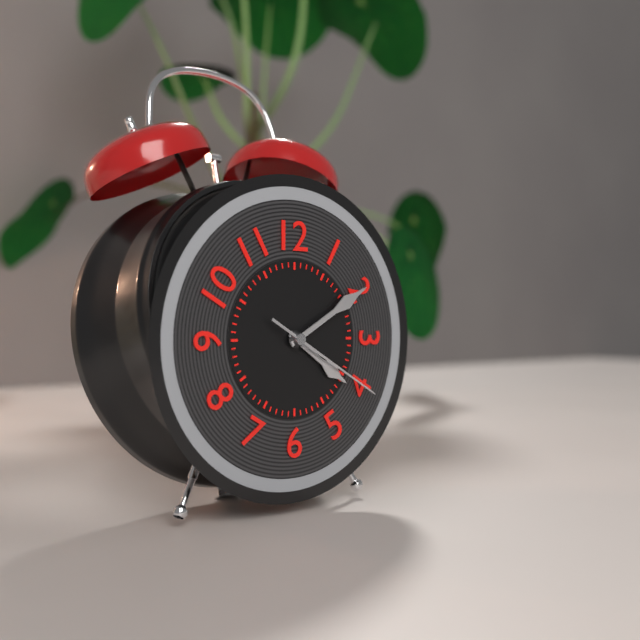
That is 4.10.20
